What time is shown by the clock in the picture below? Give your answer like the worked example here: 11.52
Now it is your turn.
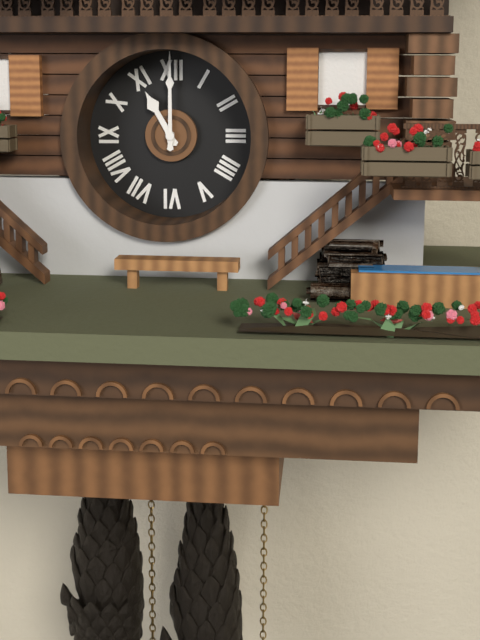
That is 11.00
